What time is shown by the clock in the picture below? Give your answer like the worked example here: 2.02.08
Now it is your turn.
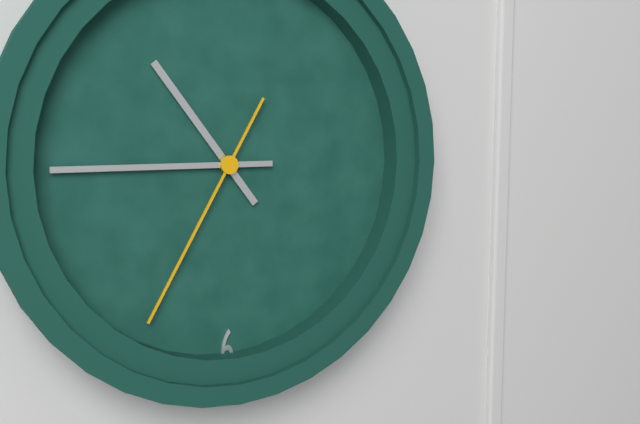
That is 10.45.35
